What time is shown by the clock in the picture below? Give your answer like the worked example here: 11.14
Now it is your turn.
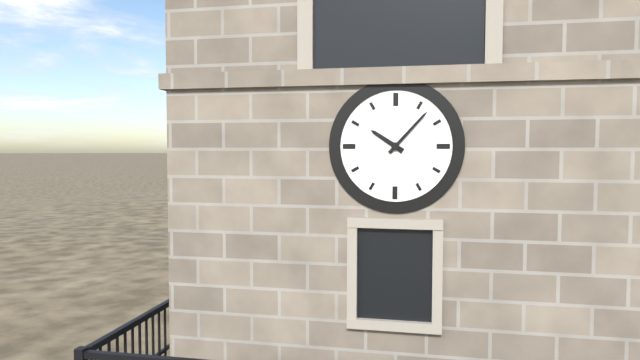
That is 10.07
